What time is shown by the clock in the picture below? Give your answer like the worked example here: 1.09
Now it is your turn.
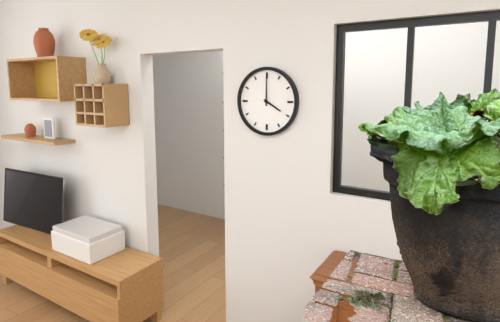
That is 4.00
